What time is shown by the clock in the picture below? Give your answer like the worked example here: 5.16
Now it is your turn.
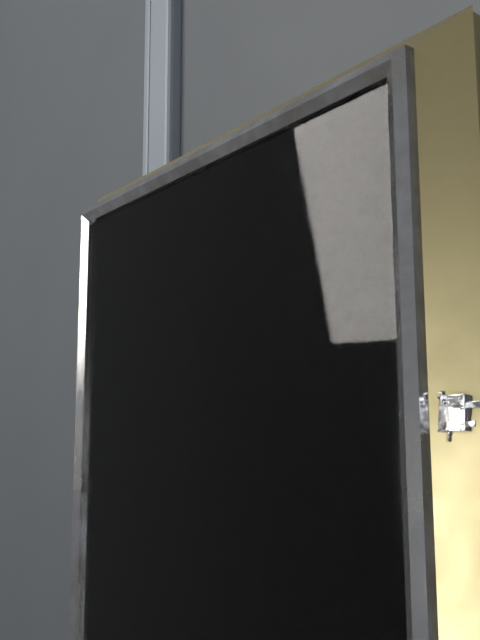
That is 3.21
